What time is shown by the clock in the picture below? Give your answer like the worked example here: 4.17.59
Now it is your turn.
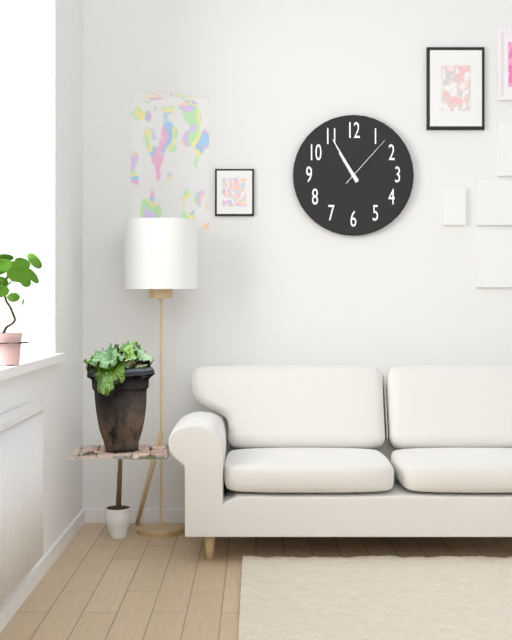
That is 10.55.07
